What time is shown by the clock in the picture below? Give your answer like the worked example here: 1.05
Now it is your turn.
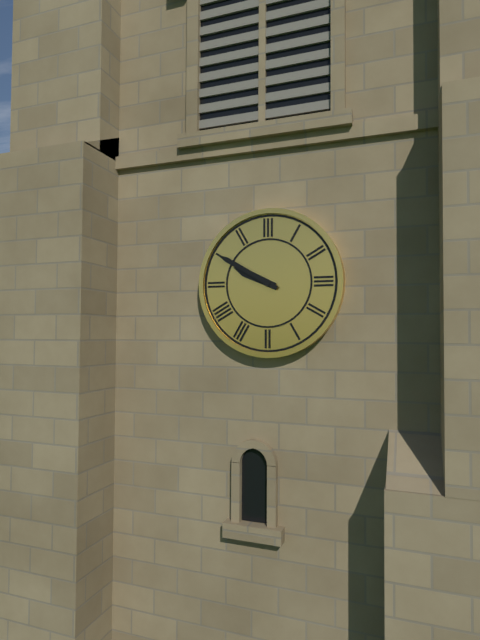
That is 9.50
